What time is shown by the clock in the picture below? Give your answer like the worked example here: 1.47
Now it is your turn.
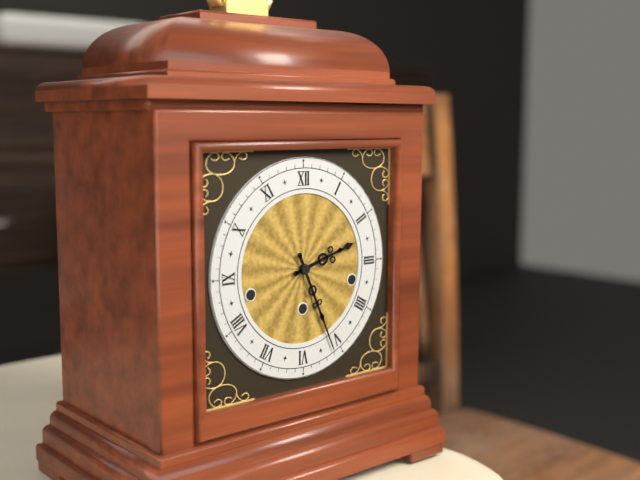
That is 2.26
